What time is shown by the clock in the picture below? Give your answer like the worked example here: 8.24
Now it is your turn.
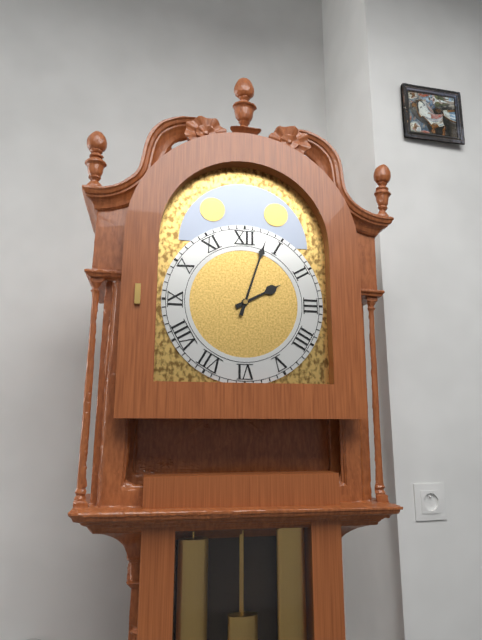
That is 2.03
